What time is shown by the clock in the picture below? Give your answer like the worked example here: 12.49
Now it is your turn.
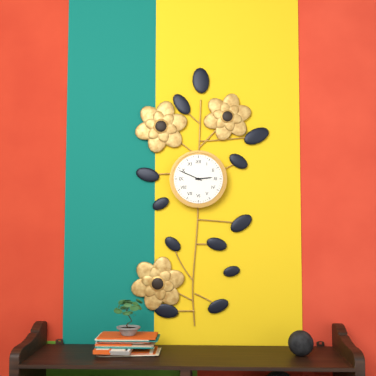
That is 2.49
